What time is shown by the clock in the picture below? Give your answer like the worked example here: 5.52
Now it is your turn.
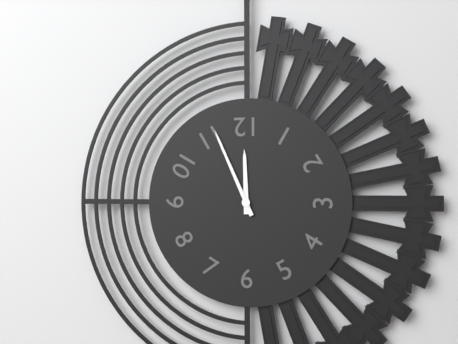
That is 11.56
